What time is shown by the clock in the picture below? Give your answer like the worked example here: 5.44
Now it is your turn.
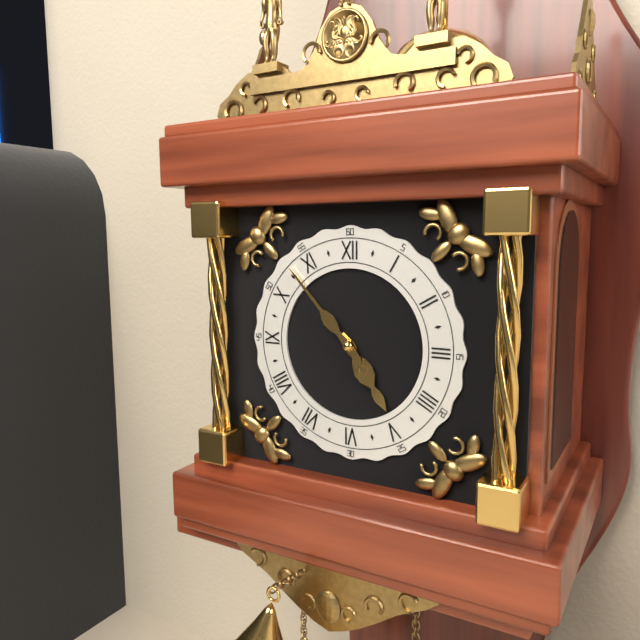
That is 4.53
